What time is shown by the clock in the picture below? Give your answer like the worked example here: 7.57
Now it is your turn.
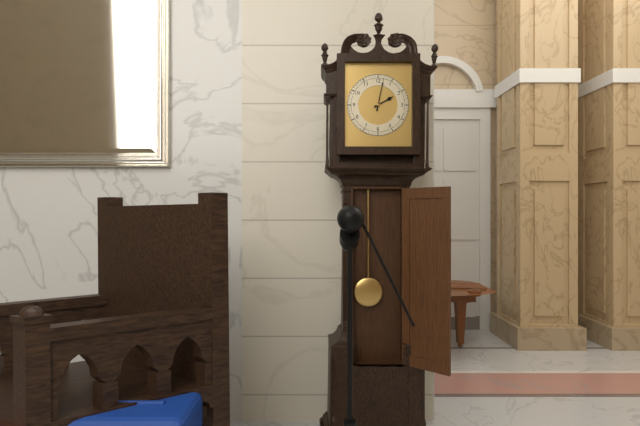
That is 2.02
